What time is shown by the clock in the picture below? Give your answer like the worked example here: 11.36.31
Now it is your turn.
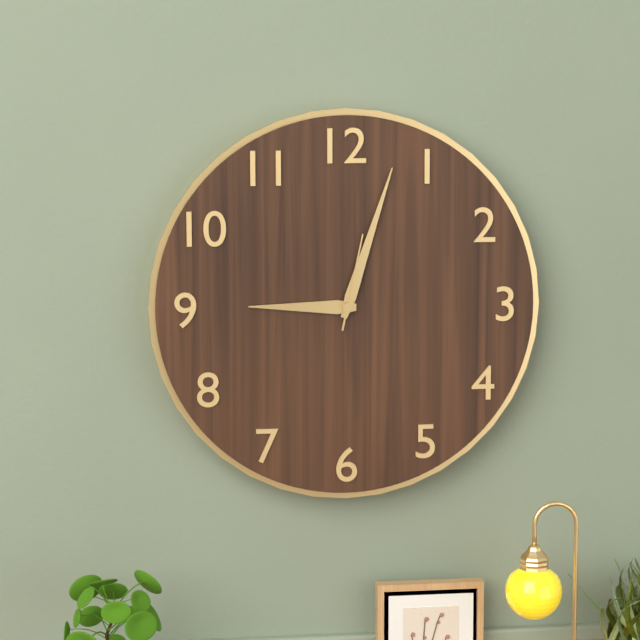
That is 9.03.02
